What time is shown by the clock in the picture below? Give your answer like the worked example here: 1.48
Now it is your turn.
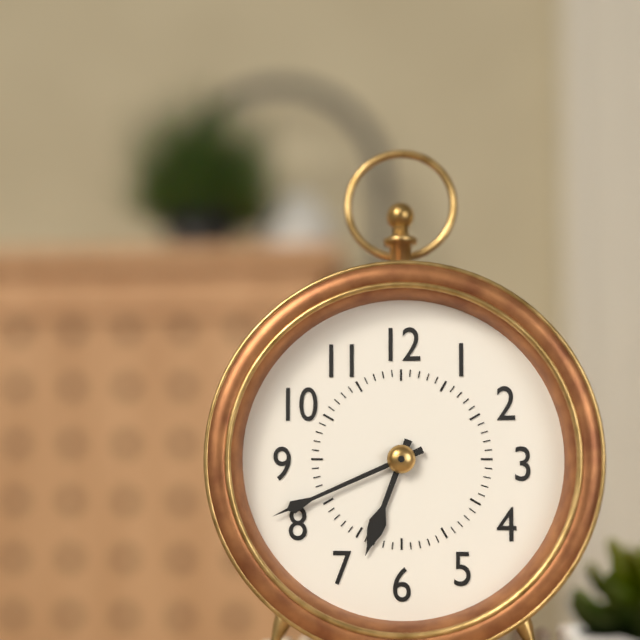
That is 6.41
